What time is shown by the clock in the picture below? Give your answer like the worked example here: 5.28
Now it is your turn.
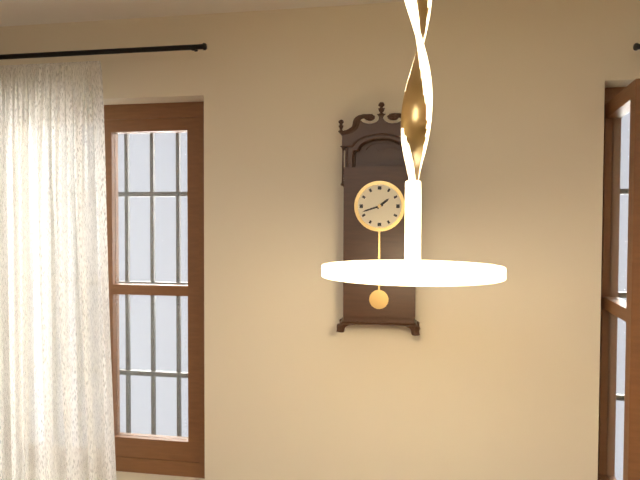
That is 1.42
